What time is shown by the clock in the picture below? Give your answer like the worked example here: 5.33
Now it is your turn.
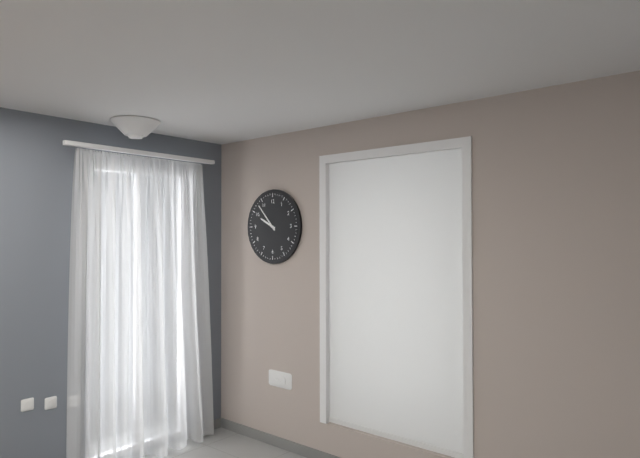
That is 9.53
